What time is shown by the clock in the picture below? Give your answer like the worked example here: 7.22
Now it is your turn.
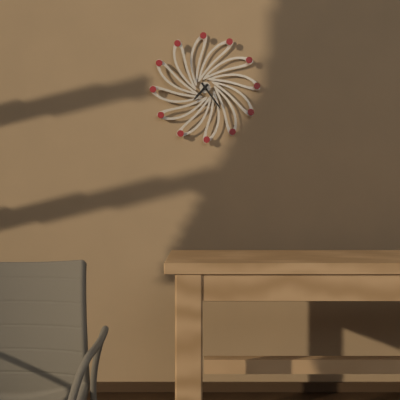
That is 7.24
